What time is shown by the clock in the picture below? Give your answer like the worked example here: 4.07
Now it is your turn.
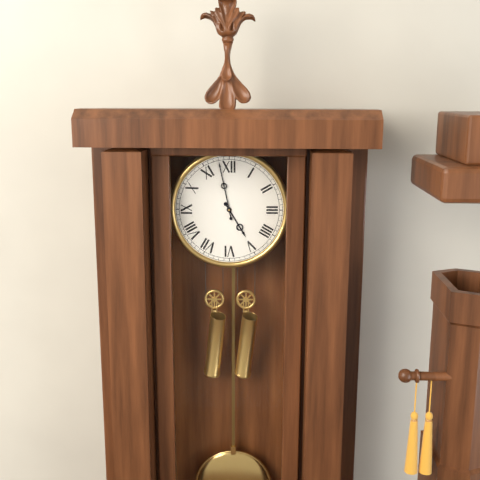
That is 4.58
